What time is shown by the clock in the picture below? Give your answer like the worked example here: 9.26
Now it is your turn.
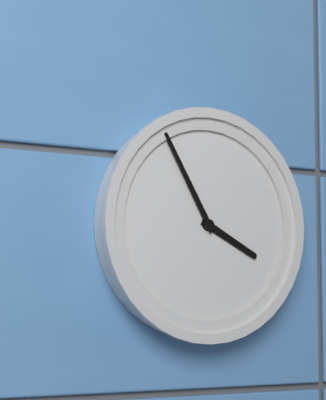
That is 3.55
